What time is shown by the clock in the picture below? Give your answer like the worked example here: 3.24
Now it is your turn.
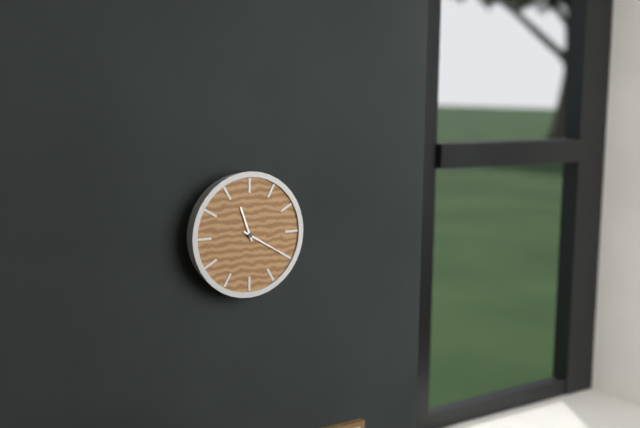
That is 11.20
